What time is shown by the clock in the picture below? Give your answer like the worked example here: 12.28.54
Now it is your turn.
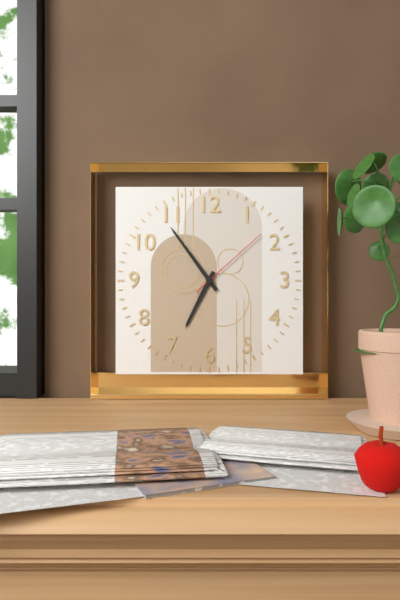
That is 6.54.08
